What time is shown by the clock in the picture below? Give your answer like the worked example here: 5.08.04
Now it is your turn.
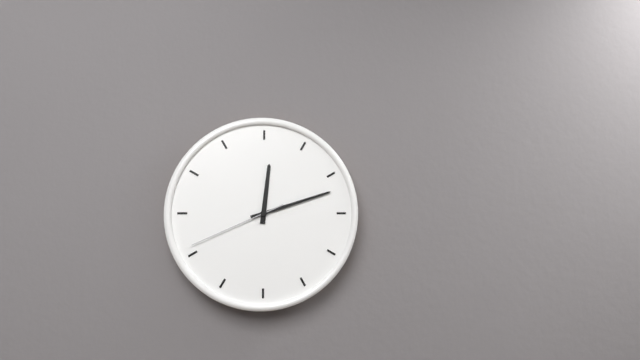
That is 12.12.41
